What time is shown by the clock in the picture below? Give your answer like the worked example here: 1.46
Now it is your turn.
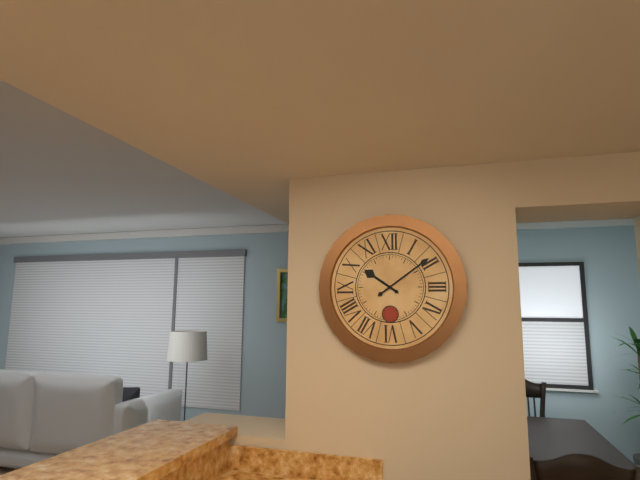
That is 10.09
